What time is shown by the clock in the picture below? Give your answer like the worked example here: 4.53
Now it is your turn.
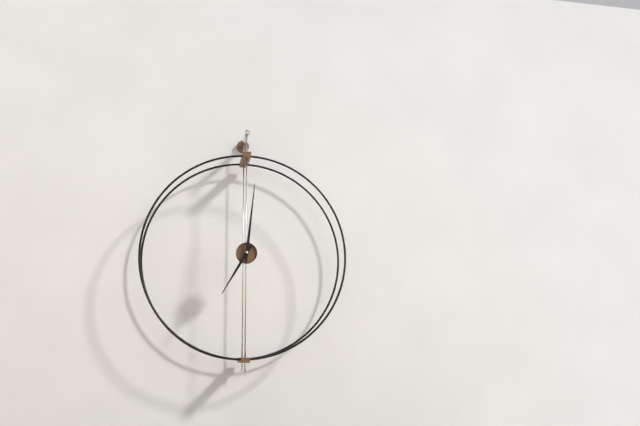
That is 7.01
